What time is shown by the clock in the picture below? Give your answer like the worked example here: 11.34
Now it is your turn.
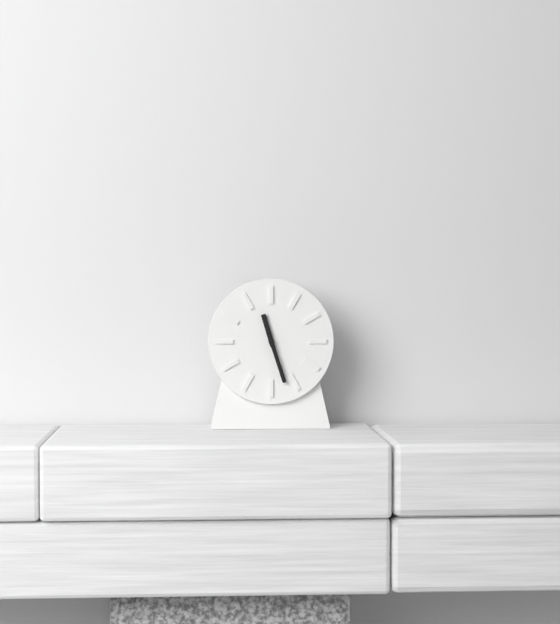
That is 11.27
